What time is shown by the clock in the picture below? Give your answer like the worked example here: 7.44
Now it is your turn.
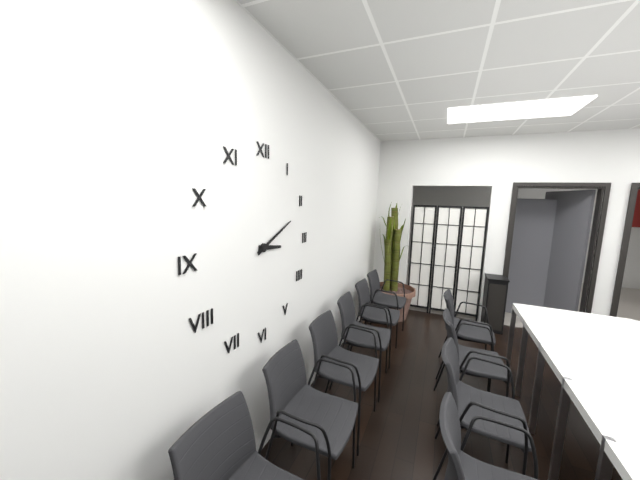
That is 3.11
